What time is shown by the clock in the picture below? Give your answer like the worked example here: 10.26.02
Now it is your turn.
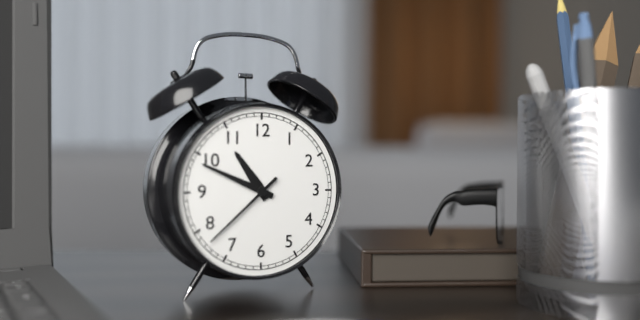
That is 10.49.38
